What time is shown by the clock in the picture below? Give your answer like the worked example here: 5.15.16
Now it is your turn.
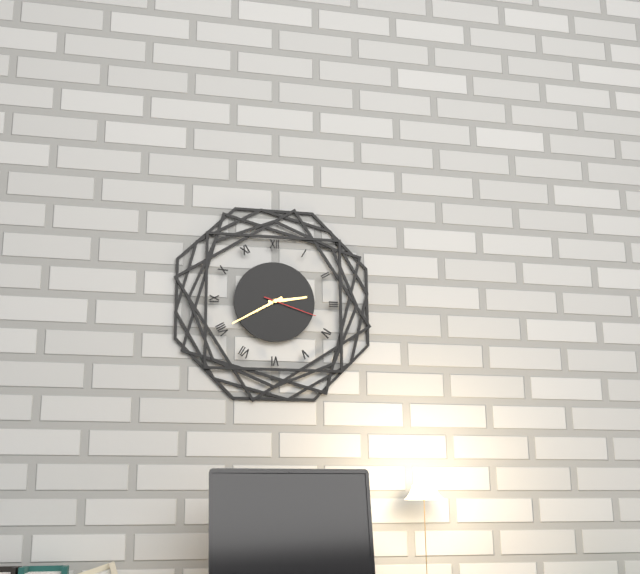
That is 2.40.18
